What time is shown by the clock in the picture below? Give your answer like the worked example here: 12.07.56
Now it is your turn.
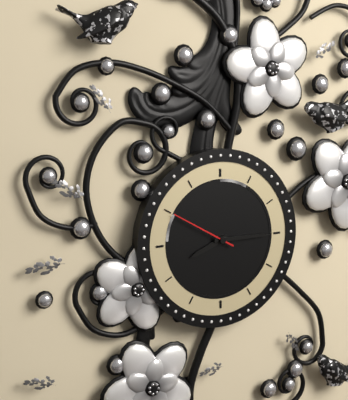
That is 8.15.50
